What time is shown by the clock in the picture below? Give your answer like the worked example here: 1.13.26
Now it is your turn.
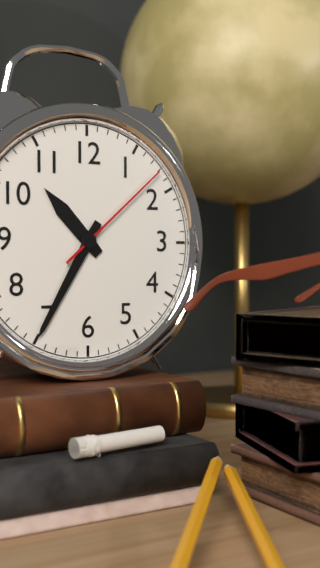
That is 10.35.08
